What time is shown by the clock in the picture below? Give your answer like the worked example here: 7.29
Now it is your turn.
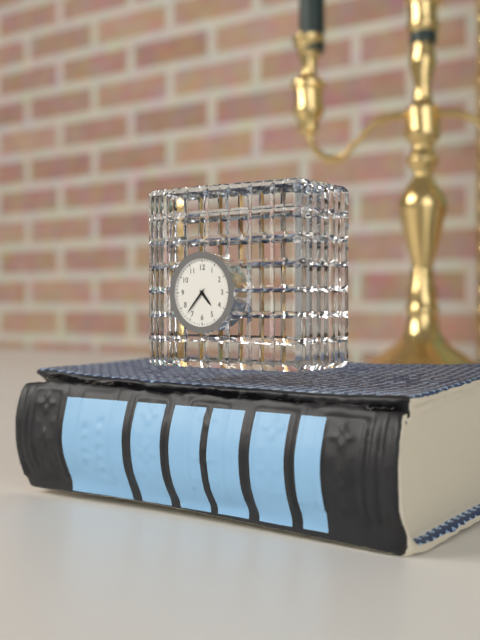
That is 4.37
